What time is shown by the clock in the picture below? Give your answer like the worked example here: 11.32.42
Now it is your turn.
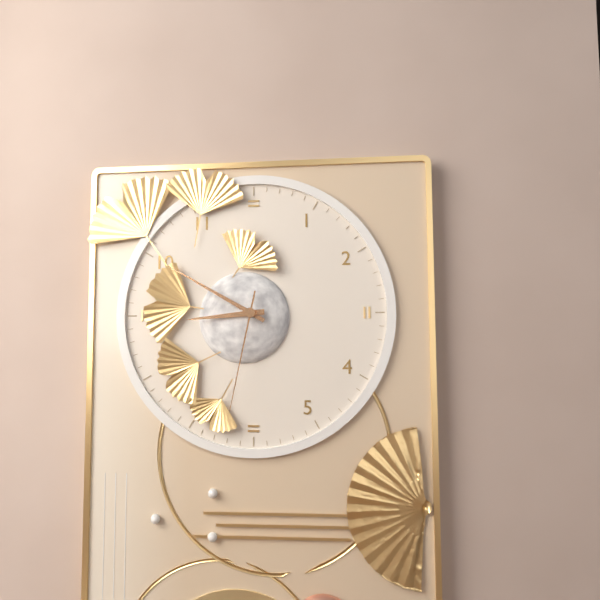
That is 8.50.32
